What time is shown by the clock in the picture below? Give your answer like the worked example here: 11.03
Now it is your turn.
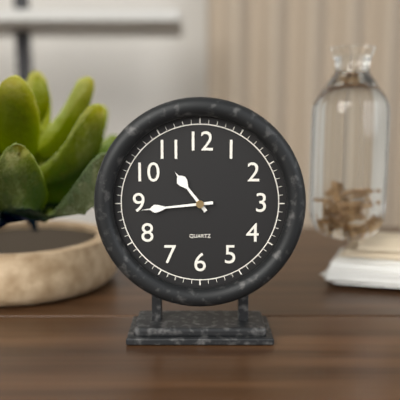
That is 10.44
